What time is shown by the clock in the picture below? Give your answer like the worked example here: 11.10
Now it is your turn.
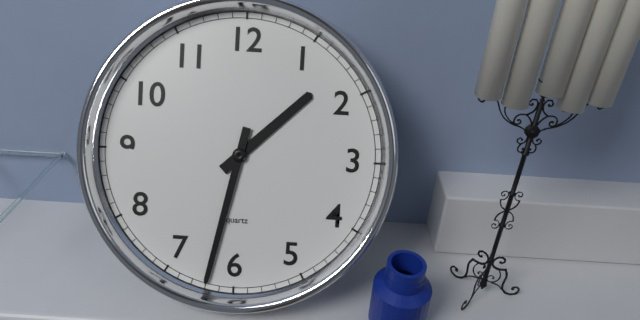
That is 1.32
